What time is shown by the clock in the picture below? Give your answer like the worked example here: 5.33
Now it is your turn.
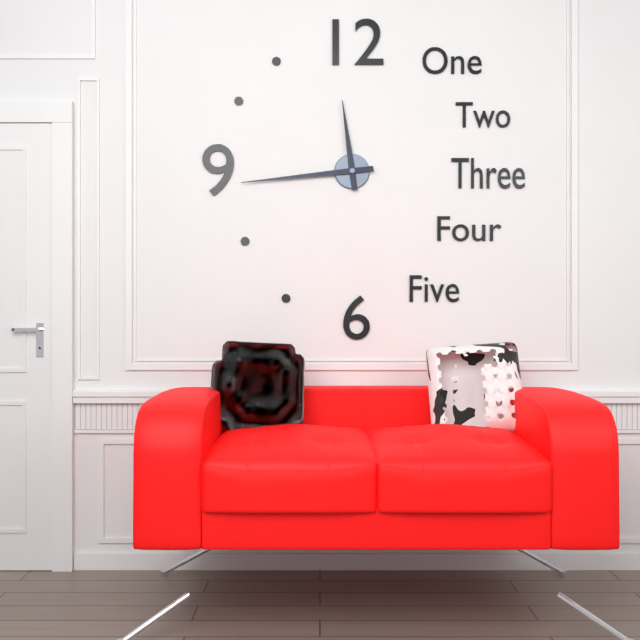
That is 11.44
